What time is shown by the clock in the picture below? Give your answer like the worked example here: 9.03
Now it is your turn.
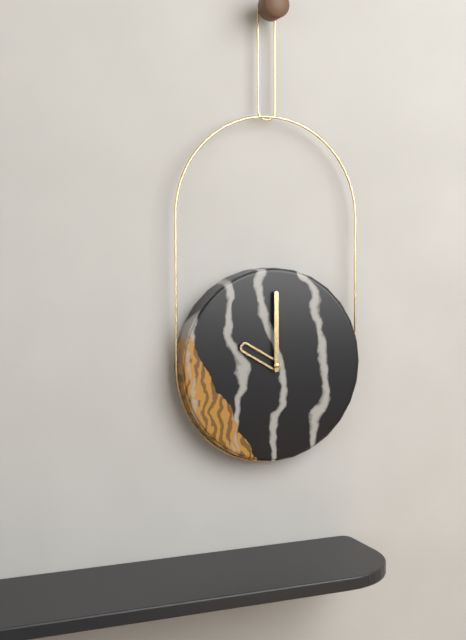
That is 10.00
